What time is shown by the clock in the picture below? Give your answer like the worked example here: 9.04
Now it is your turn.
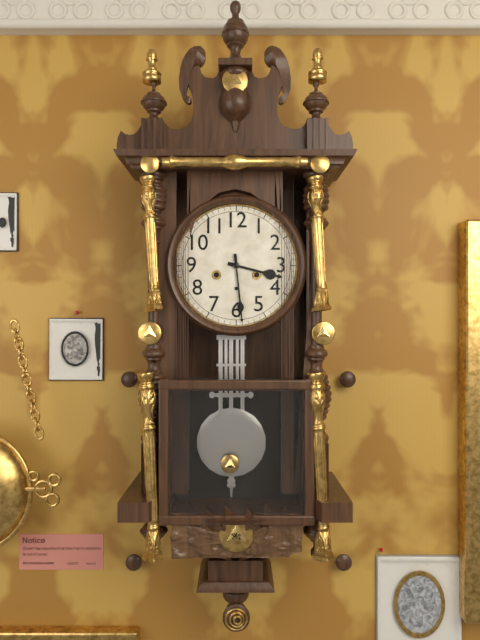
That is 3.29
